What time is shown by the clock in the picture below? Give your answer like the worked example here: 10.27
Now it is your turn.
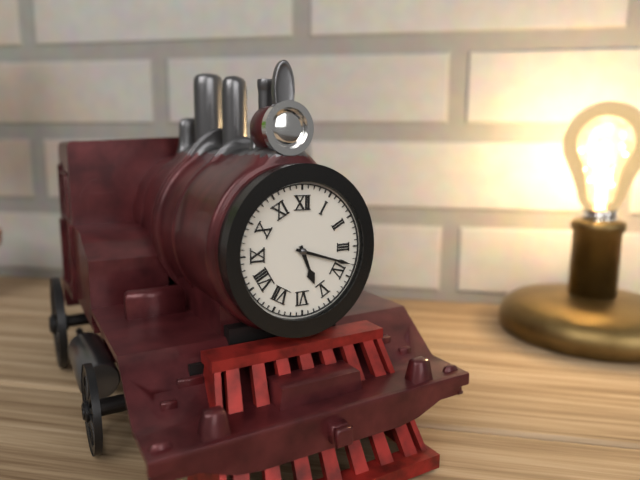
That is 5.18
